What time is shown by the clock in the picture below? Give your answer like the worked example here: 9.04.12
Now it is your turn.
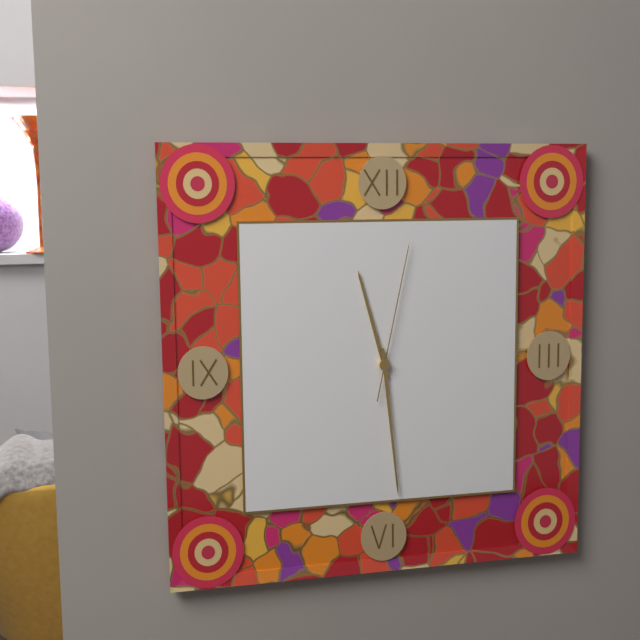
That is 11.29.02
